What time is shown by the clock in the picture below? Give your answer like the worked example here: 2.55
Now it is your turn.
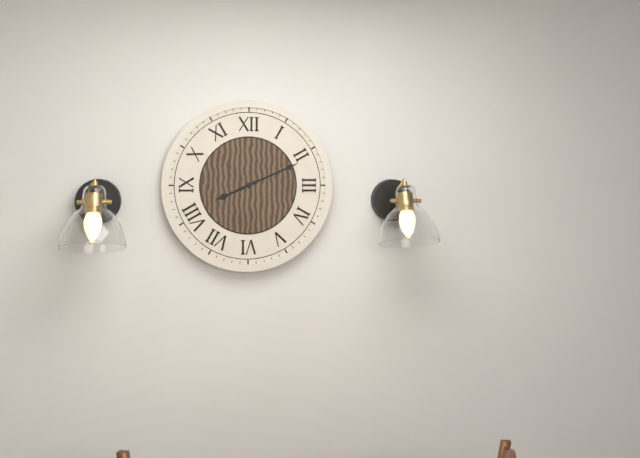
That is 8.11
